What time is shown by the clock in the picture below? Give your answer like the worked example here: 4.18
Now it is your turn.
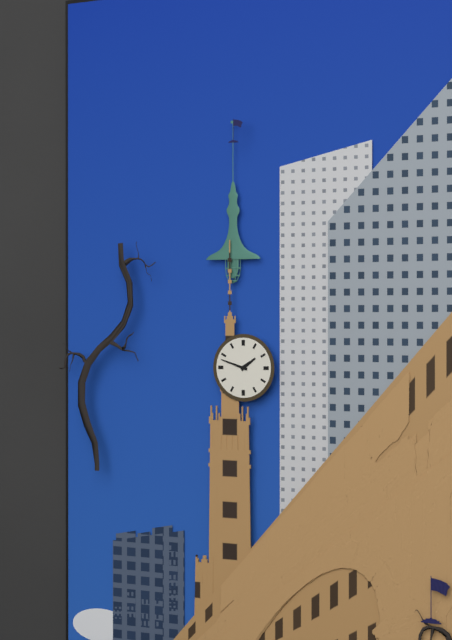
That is 1.48
